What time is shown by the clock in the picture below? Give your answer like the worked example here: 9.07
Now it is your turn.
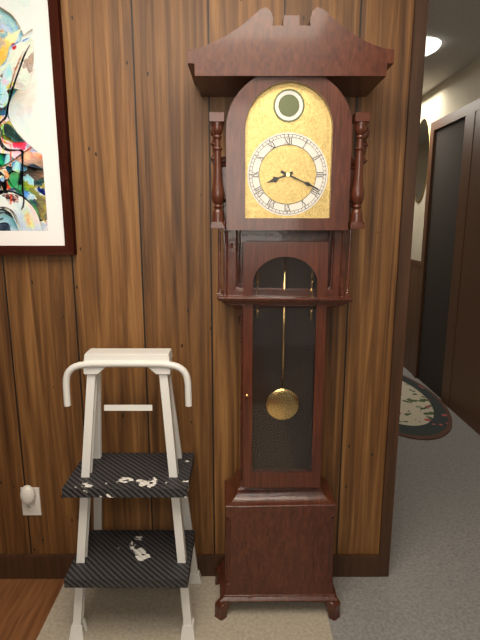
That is 8.19
